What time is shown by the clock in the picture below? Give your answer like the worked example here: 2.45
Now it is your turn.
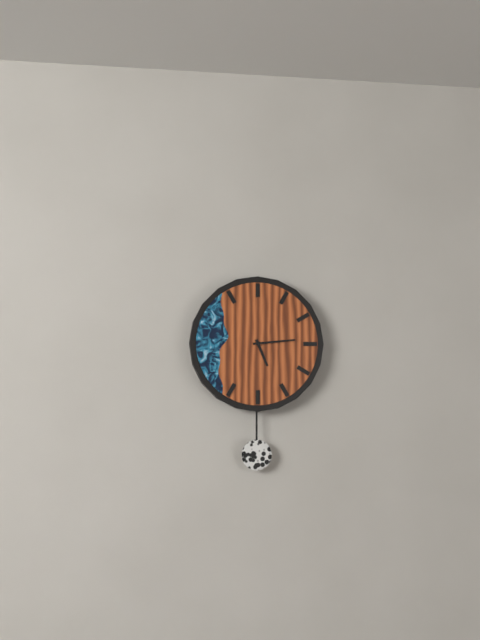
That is 5.14
